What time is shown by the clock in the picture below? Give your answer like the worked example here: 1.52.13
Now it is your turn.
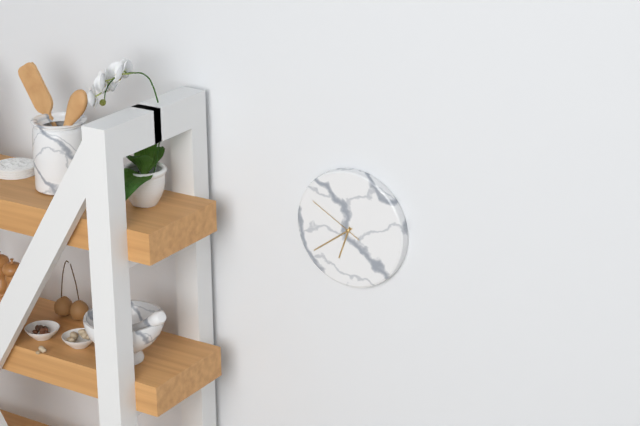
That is 6.39.50
